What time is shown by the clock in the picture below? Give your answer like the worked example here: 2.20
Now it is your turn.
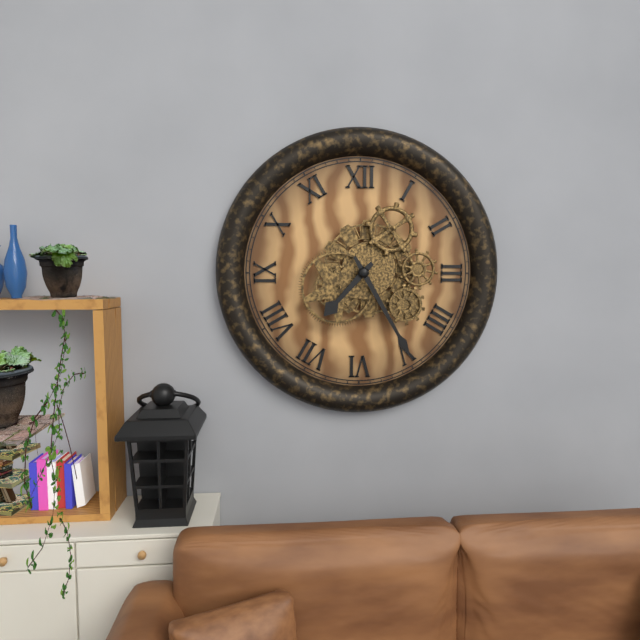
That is 7.25
